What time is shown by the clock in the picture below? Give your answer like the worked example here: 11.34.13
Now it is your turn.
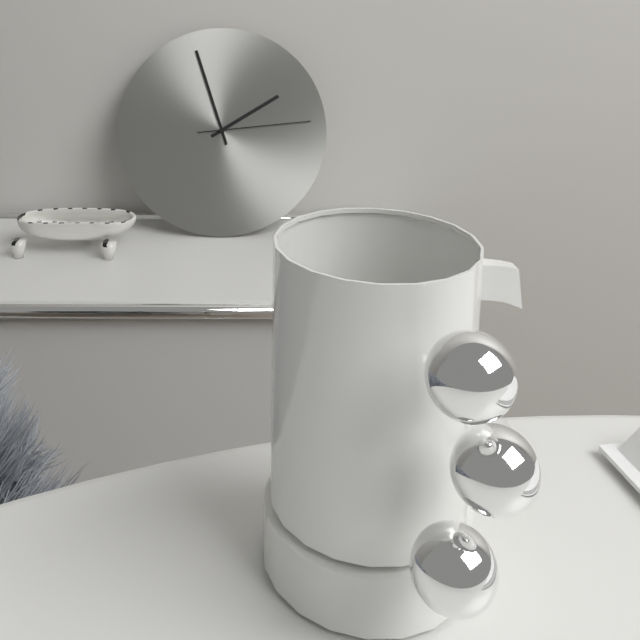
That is 1.57.14
